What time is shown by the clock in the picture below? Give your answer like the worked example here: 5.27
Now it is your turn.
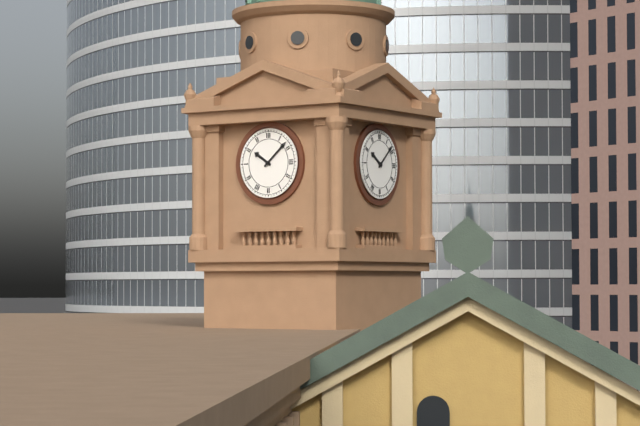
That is 10.08
